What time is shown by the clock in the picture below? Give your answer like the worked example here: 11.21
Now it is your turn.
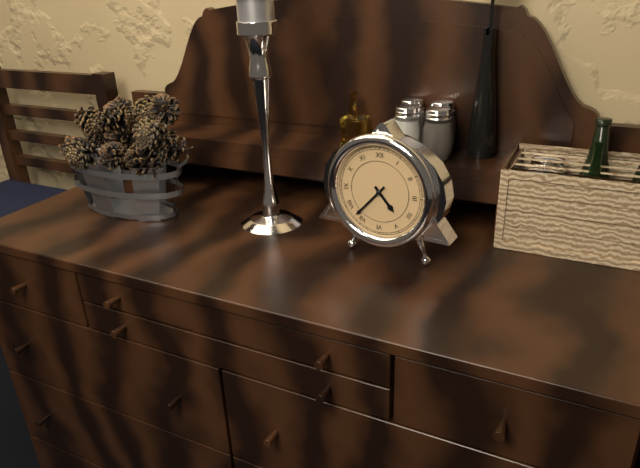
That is 4.37
